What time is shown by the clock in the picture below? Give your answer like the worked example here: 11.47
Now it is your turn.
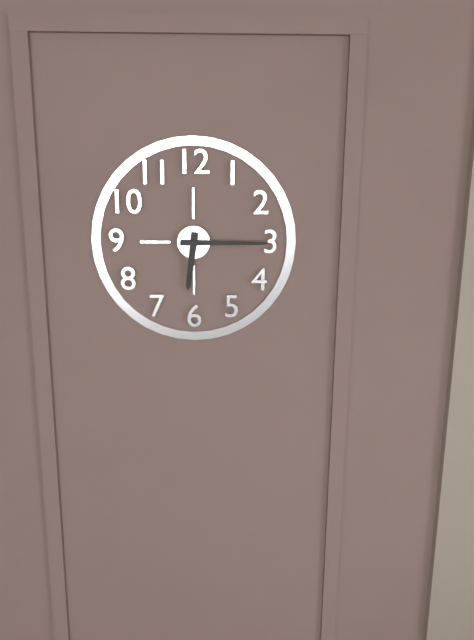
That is 6.15
